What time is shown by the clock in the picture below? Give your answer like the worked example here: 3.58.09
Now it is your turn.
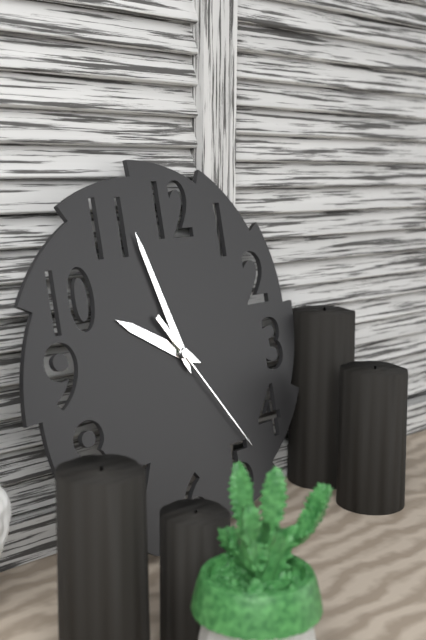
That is 9.57.24
